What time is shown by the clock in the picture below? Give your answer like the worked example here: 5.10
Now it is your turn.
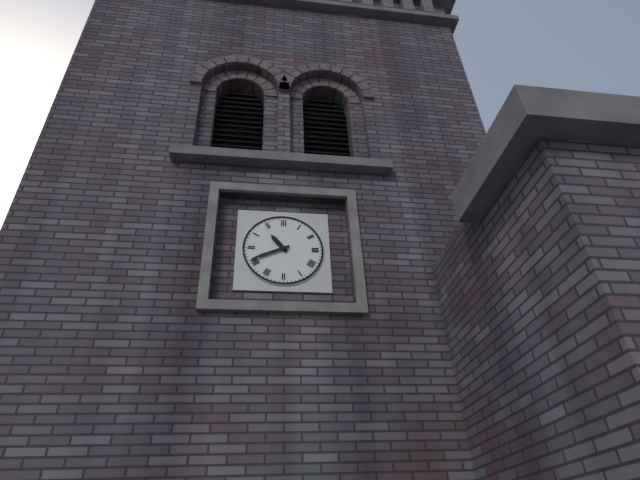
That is 10.41
